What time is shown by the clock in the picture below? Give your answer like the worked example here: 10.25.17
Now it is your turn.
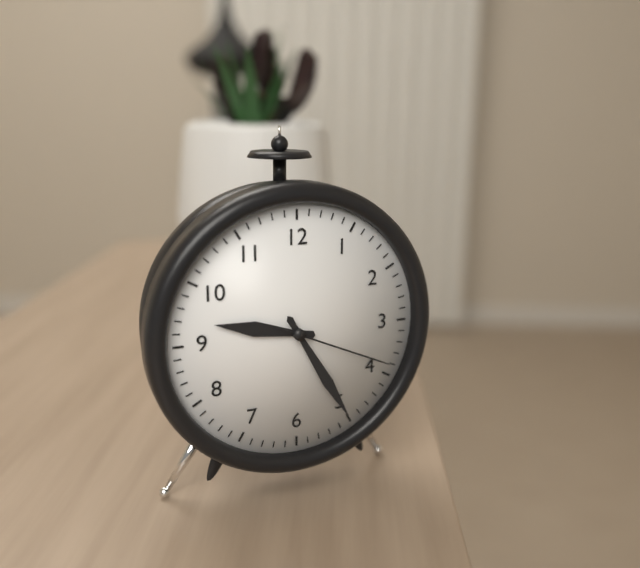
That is 9.25.19
